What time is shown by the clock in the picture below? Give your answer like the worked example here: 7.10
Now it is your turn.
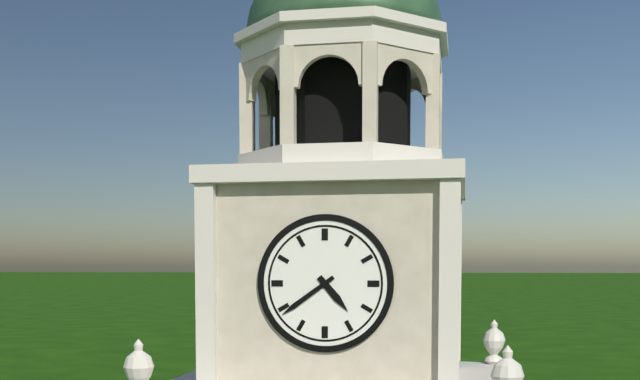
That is 4.39
